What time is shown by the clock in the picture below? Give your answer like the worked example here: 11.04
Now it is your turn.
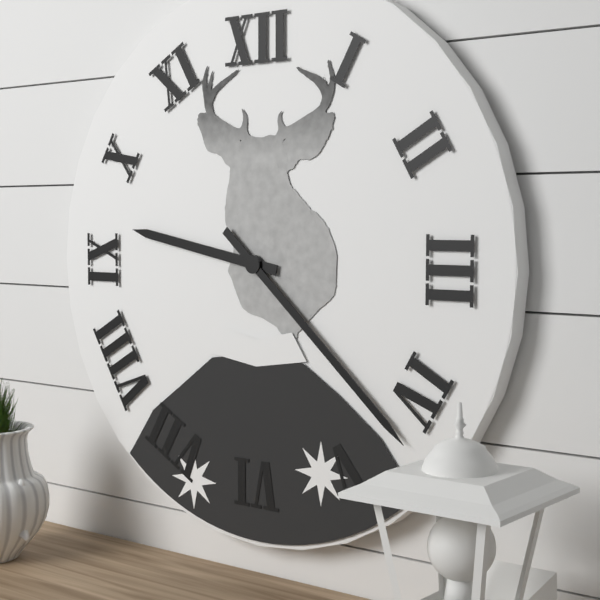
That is 9.22
